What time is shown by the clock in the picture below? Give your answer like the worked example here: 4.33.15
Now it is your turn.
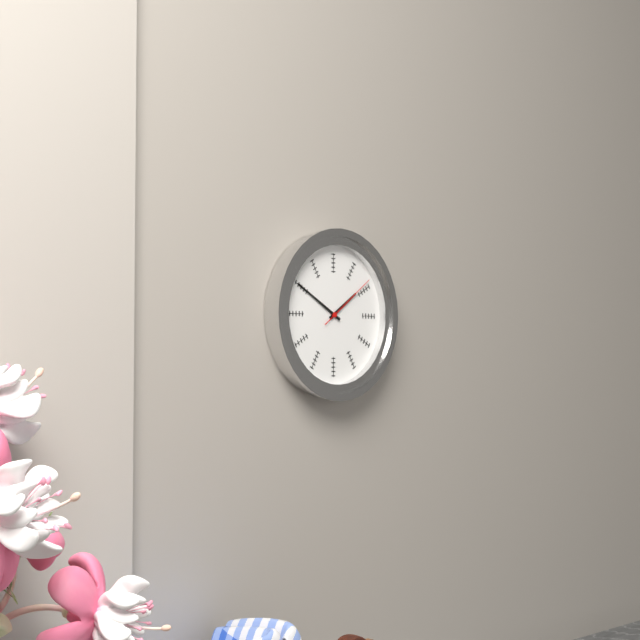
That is 1.50.09
